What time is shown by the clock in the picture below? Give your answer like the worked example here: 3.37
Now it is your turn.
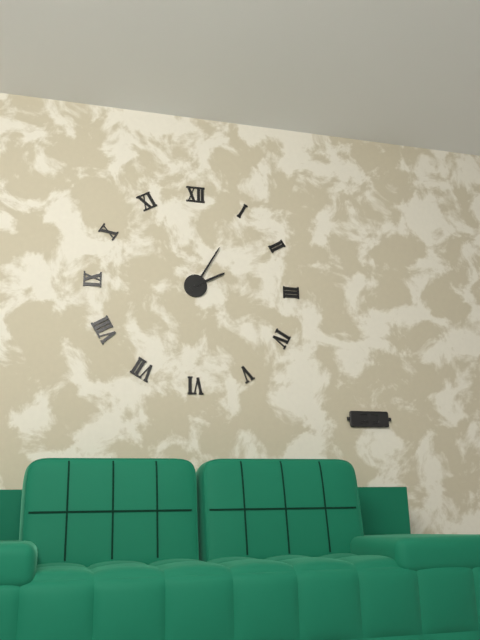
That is 2.05
